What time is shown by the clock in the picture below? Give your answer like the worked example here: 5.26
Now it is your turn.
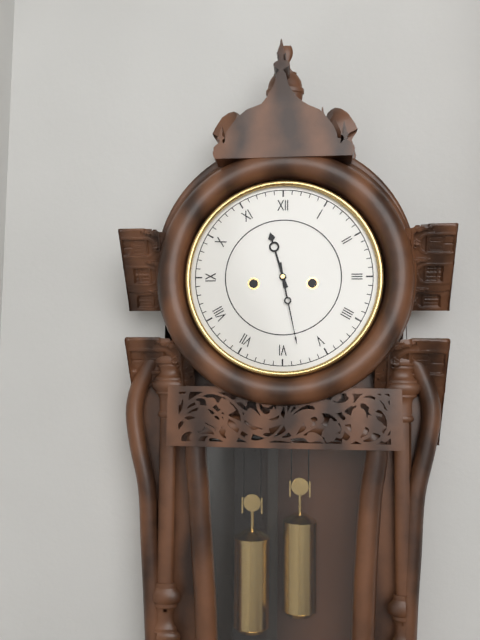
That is 11.28
